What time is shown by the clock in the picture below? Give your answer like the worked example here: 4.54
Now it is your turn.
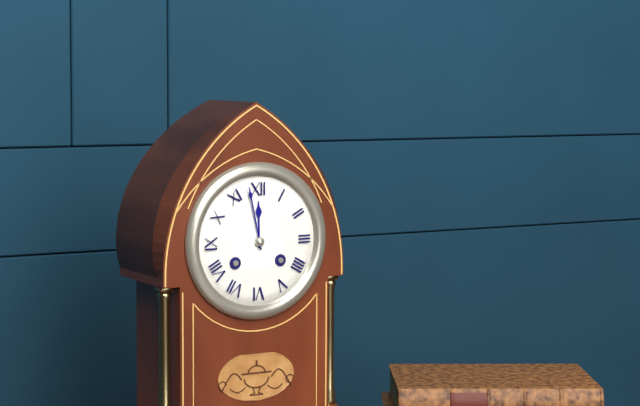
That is 11.58
